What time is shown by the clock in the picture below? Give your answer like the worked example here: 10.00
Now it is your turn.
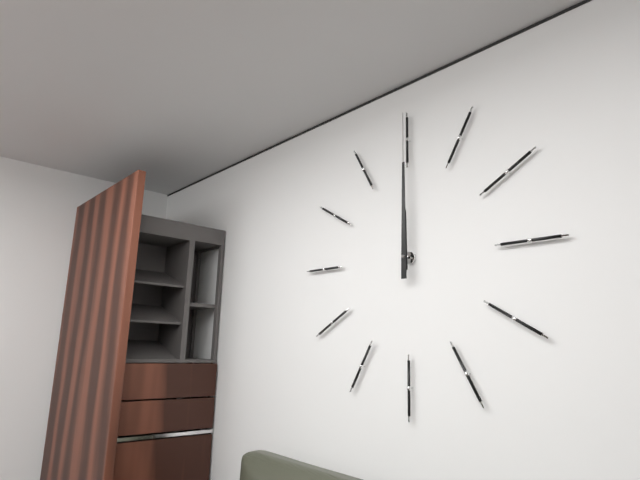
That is 12.00
